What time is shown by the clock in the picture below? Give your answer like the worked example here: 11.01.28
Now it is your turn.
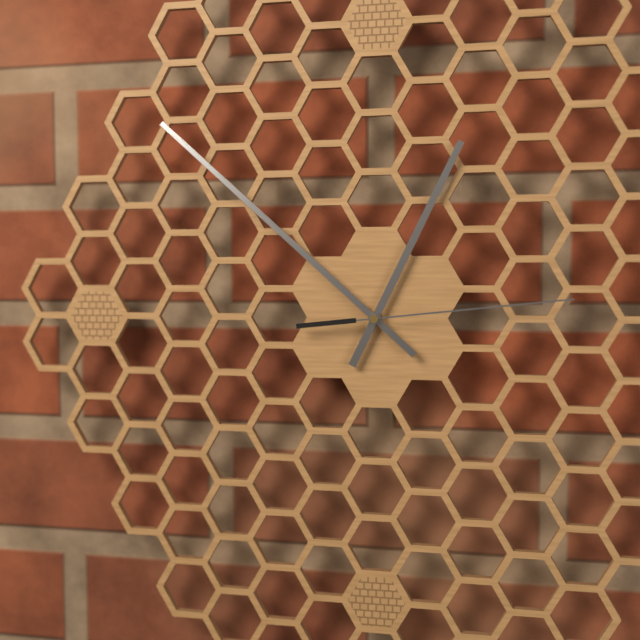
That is 12.52.14
